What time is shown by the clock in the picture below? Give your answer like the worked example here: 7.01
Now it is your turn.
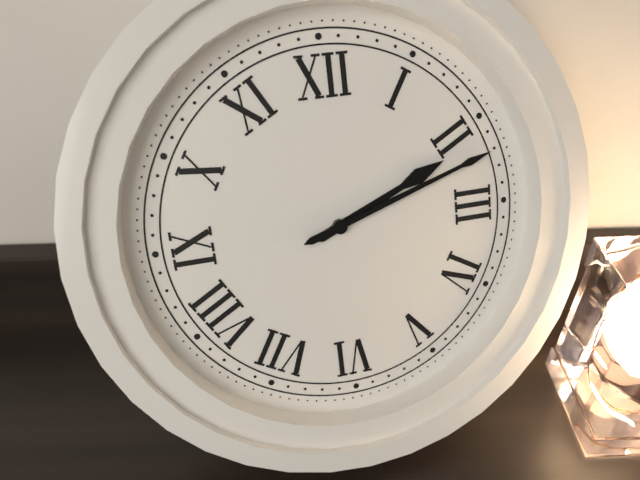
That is 2.12
